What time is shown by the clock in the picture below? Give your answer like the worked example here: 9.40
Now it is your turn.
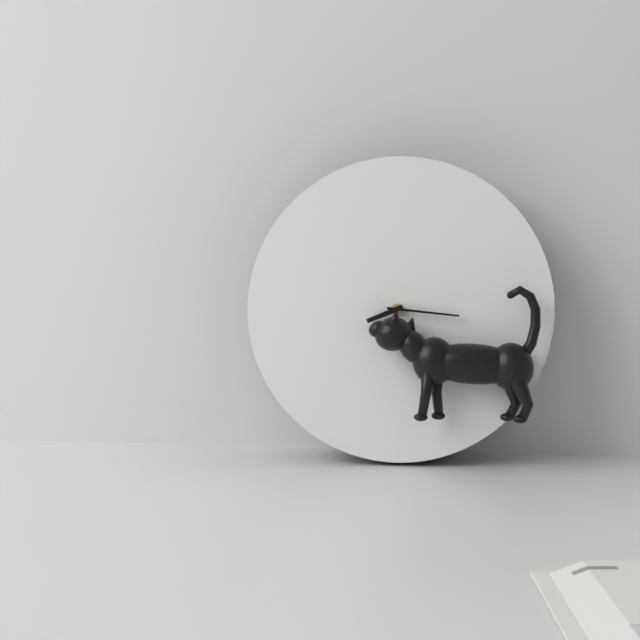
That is 8.16
